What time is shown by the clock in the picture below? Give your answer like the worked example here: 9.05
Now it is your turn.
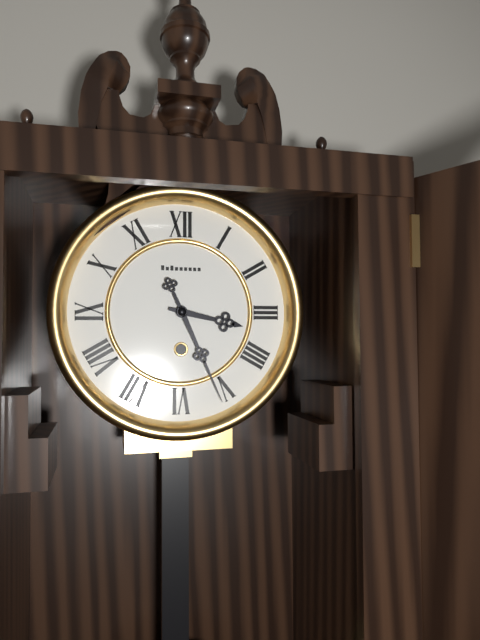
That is 3.26
